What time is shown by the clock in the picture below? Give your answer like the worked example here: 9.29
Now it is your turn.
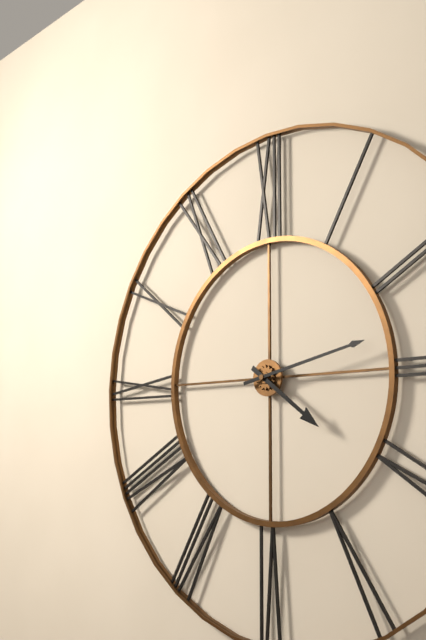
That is 4.13
